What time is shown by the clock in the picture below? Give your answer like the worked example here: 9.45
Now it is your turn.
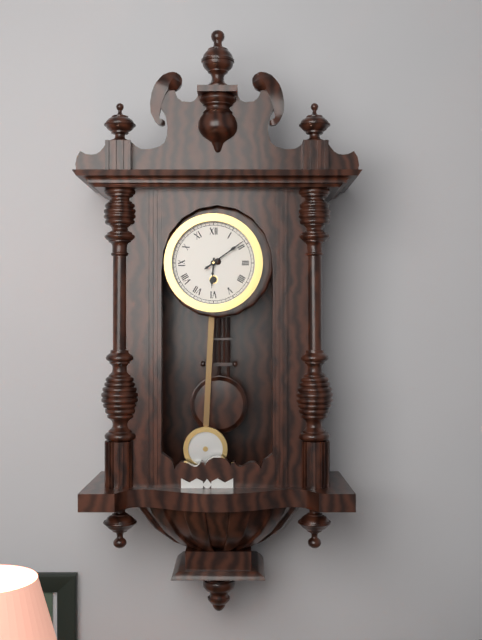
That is 6.09
